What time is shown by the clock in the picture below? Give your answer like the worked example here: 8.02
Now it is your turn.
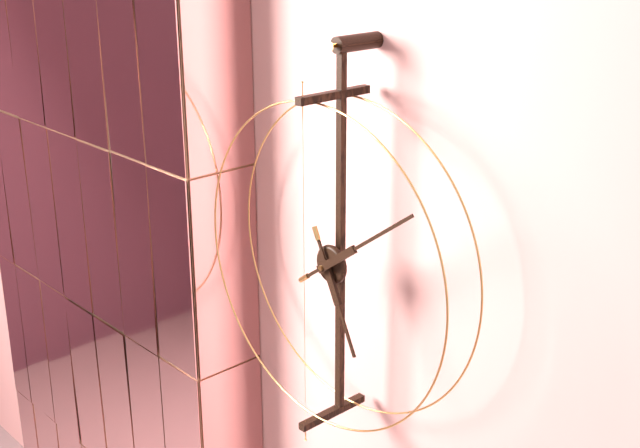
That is 5.09
